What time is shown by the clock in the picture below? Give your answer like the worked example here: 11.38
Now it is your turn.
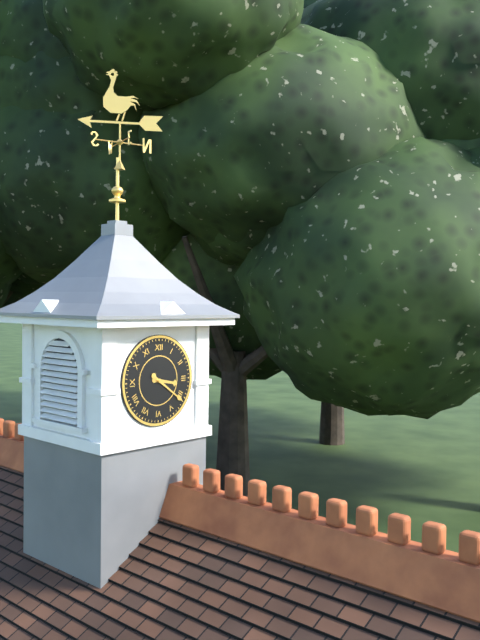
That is 3.21
